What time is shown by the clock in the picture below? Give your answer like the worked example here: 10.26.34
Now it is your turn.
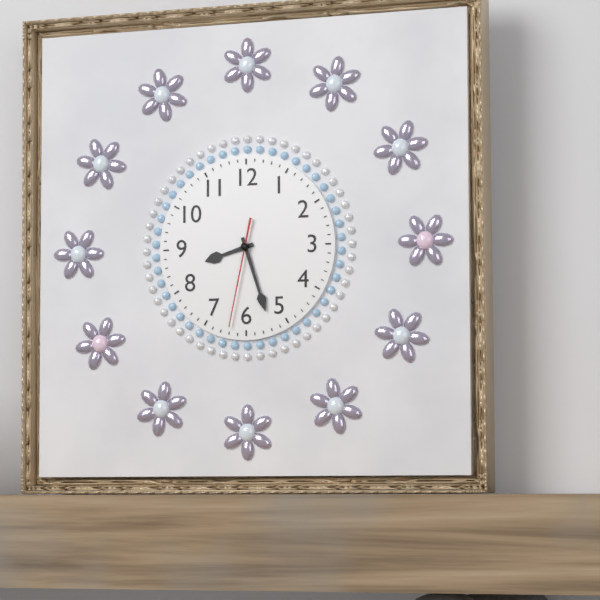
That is 8.27.32
